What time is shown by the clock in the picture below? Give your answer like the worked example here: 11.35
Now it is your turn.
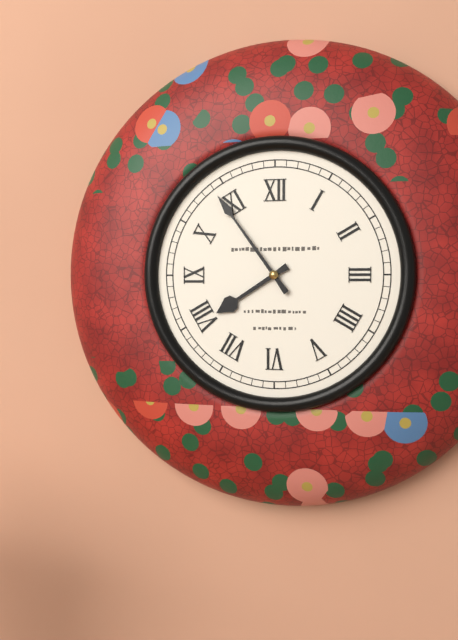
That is 7.54
